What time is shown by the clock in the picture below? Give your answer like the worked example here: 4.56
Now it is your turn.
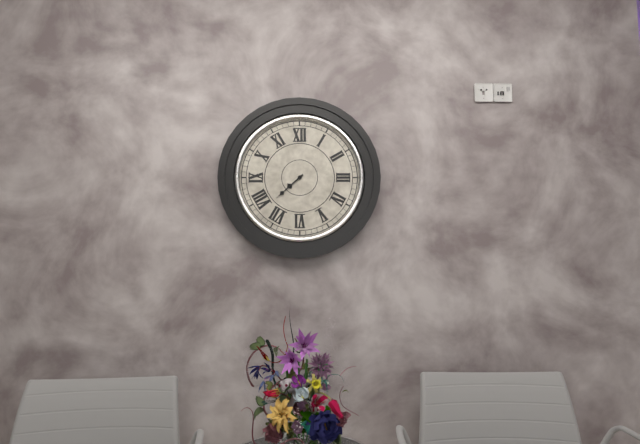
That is 7.38
